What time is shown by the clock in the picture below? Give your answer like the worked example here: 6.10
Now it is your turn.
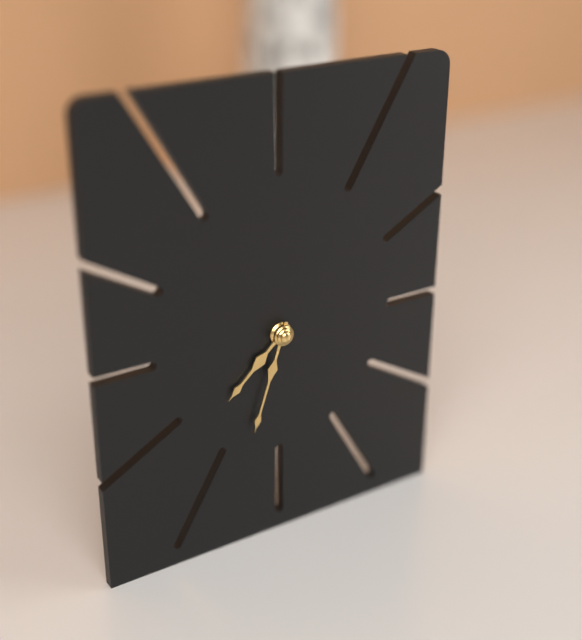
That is 7.33
